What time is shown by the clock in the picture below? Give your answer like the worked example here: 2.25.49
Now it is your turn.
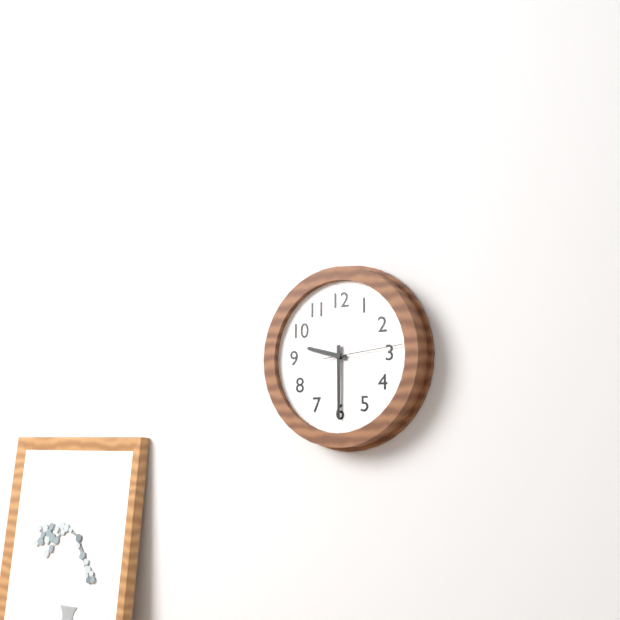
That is 9.30.14
